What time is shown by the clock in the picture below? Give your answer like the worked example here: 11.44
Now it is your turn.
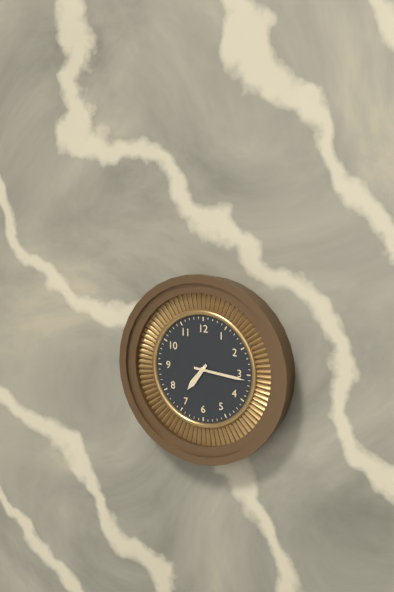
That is 7.16
